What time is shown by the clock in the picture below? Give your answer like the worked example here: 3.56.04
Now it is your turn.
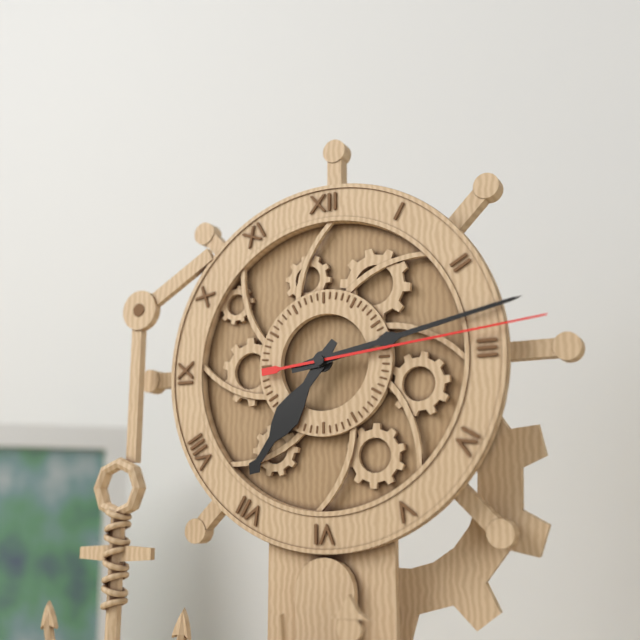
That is 7.13.14
